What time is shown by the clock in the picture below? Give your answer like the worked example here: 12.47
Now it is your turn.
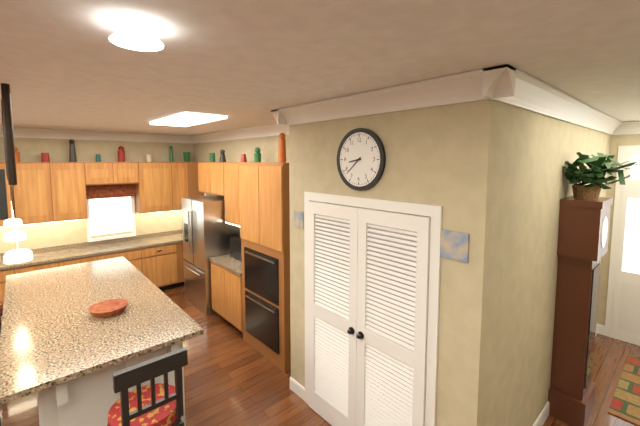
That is 8.38
